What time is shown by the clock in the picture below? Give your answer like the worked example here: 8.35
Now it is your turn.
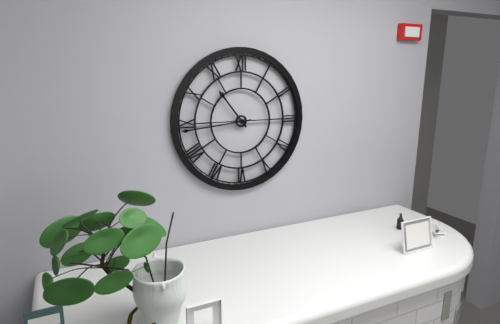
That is 10.44
